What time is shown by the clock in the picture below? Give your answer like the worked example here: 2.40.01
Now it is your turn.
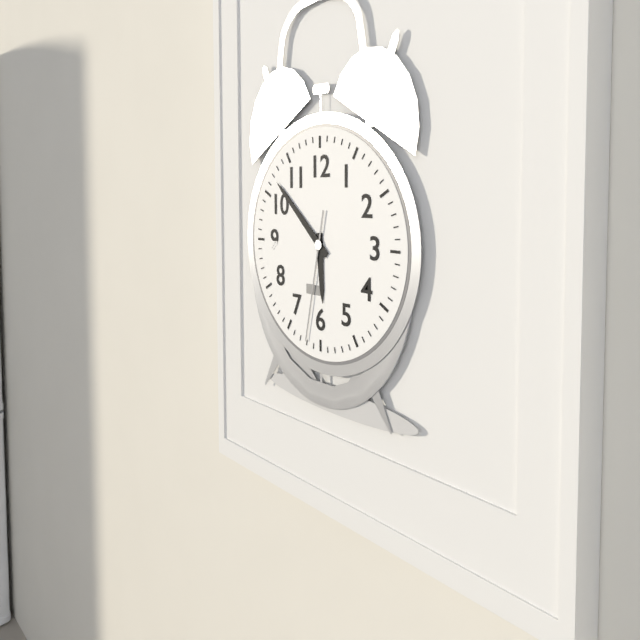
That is 5.52.32
